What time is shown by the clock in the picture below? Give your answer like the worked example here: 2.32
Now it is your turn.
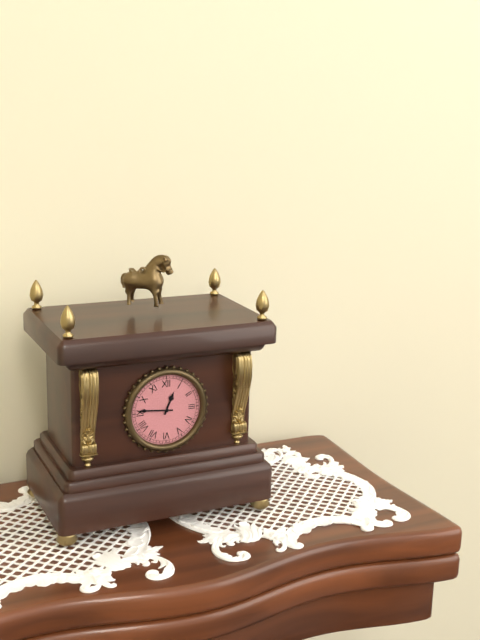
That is 12.46
